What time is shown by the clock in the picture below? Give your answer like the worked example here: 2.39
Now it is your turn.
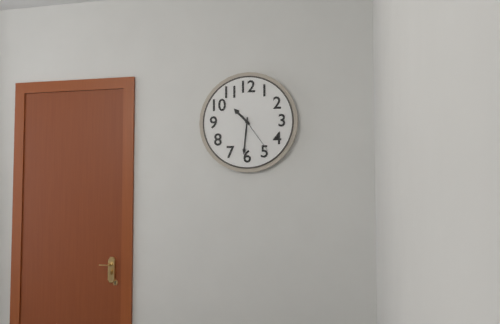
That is 10.31
